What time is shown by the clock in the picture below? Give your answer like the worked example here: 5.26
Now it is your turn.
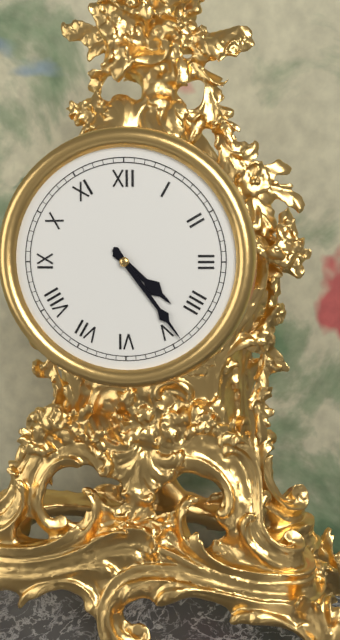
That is 4.24
